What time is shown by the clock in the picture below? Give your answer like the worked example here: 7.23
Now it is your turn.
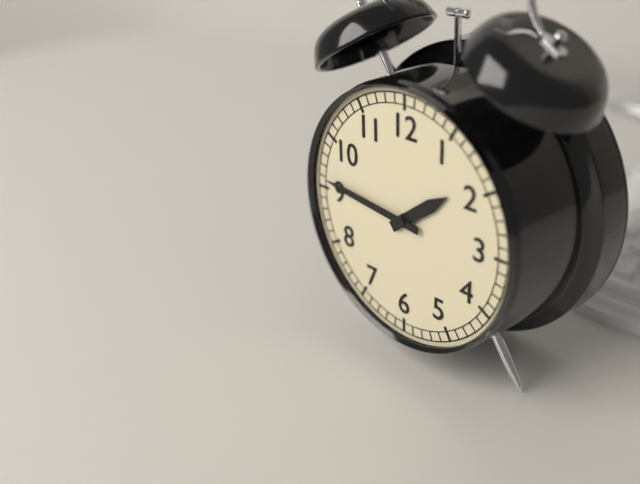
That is 1.46
